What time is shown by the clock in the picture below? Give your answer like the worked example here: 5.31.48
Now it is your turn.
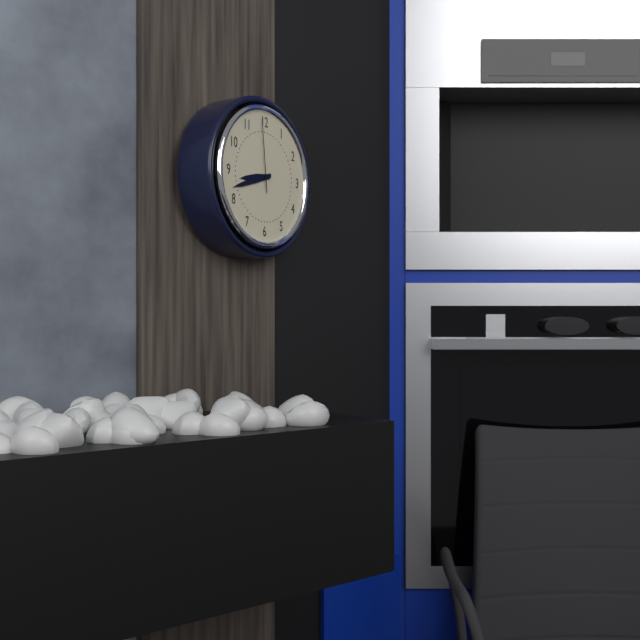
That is 8.42.59
